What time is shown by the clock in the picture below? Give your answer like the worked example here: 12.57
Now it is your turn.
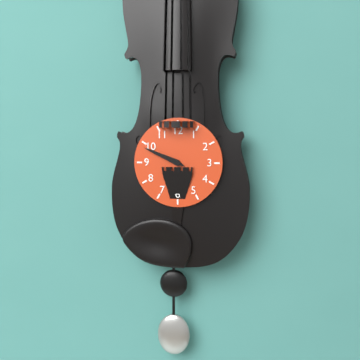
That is 9.49
